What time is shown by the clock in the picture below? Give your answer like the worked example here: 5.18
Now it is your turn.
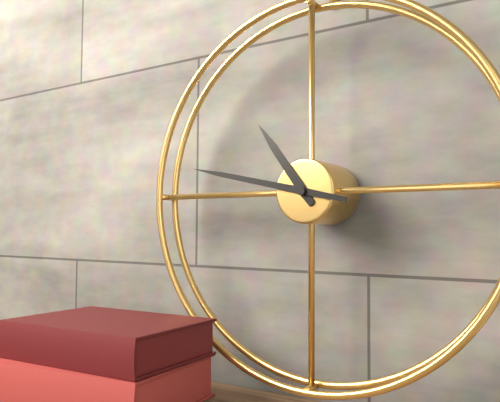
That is 10.47
